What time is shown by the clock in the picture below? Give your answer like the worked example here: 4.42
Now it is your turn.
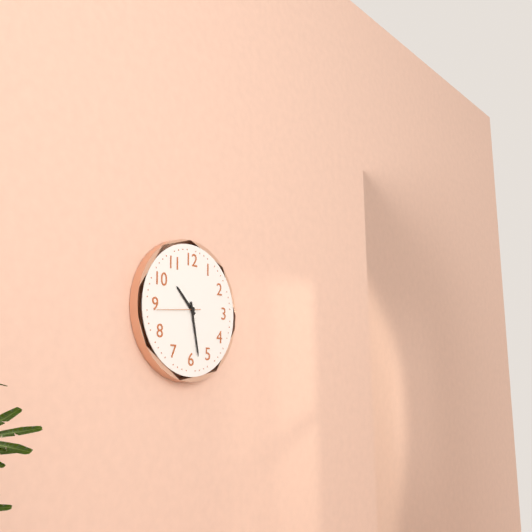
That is 10.28
